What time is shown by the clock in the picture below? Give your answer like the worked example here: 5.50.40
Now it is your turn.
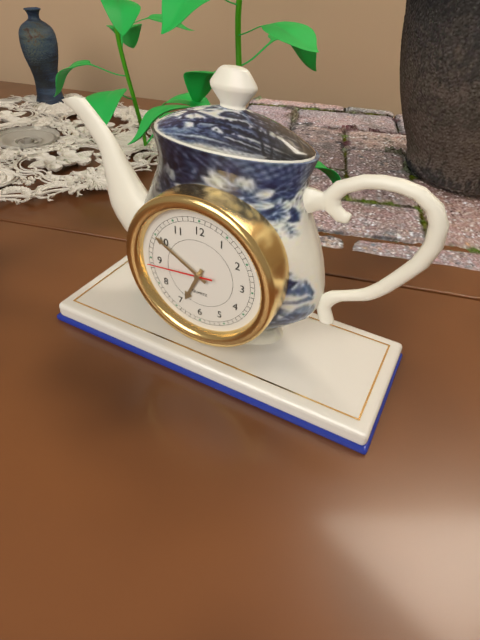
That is 6.50.44
